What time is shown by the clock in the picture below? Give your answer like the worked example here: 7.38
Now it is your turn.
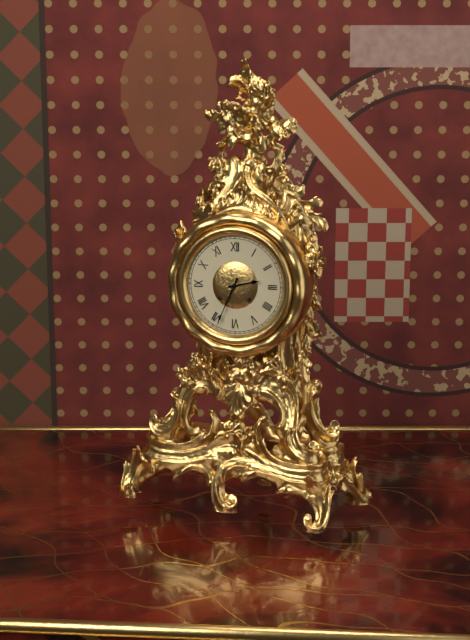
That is 2.34
